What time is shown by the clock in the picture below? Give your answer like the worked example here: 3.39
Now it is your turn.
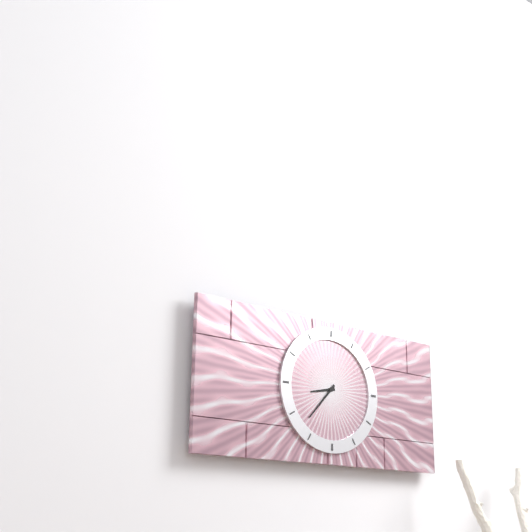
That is 8.37
